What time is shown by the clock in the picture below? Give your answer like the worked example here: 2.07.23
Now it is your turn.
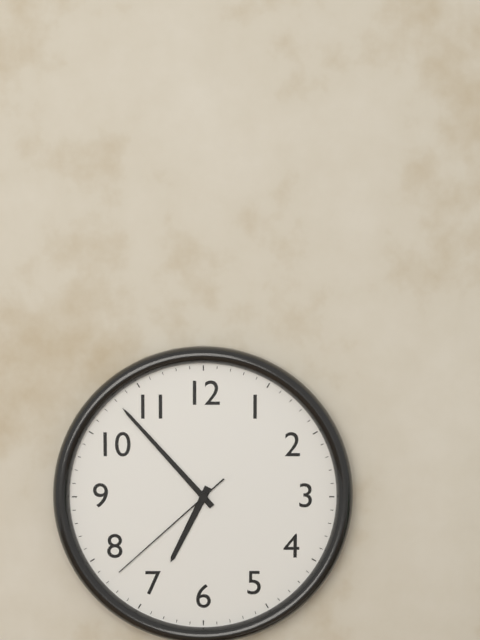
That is 6.53.38
